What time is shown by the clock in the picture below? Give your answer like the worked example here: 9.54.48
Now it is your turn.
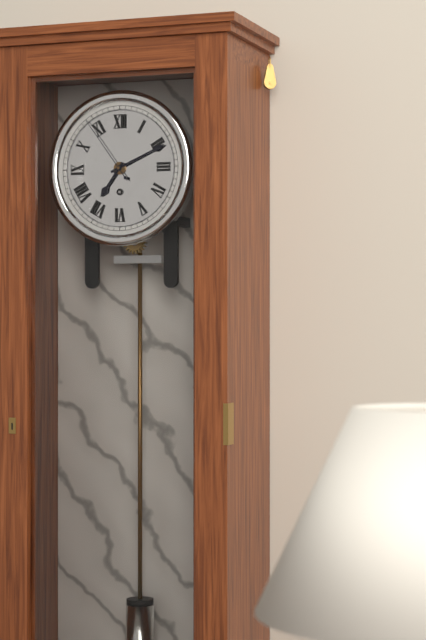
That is 7.11.54
